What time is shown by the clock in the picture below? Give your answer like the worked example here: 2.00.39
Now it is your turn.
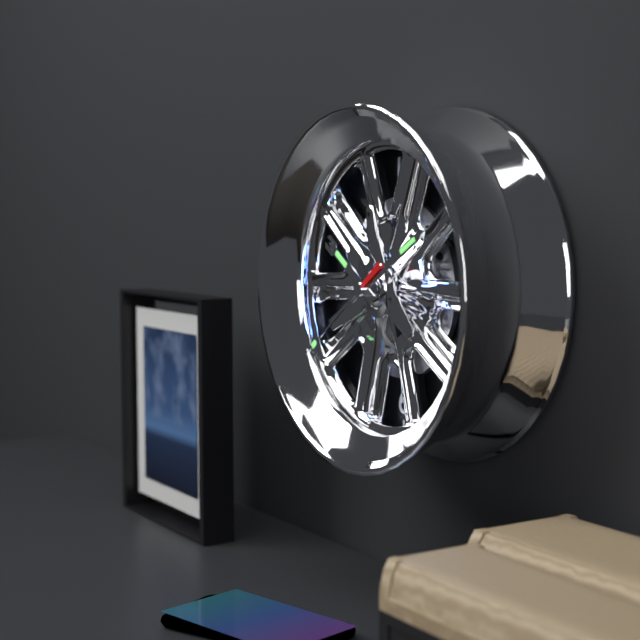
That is 10.10.39
